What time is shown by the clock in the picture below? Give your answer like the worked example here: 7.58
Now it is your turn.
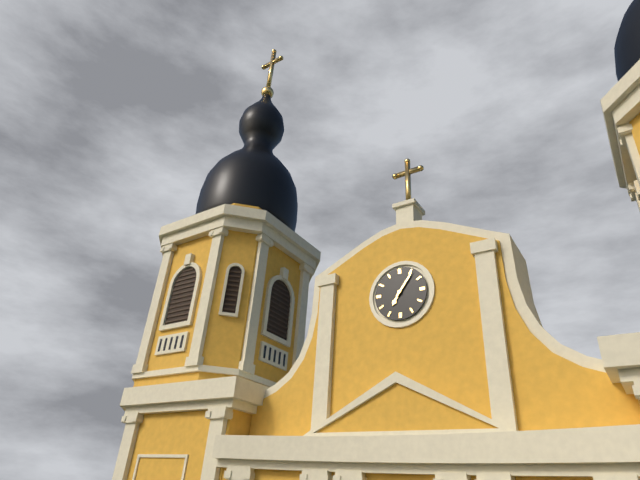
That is 7.06
